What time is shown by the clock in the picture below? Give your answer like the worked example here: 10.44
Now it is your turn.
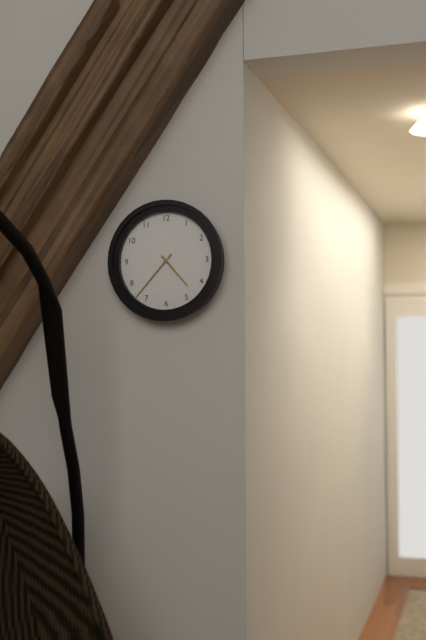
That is 4.37
